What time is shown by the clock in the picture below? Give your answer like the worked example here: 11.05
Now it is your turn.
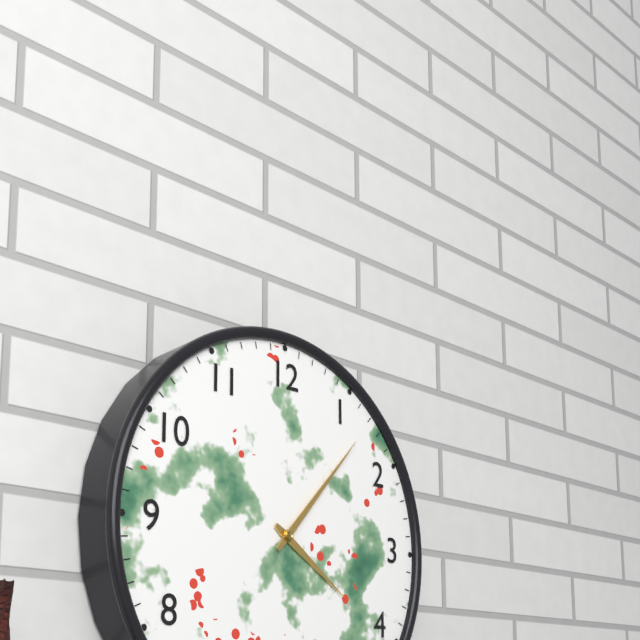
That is 4.07
